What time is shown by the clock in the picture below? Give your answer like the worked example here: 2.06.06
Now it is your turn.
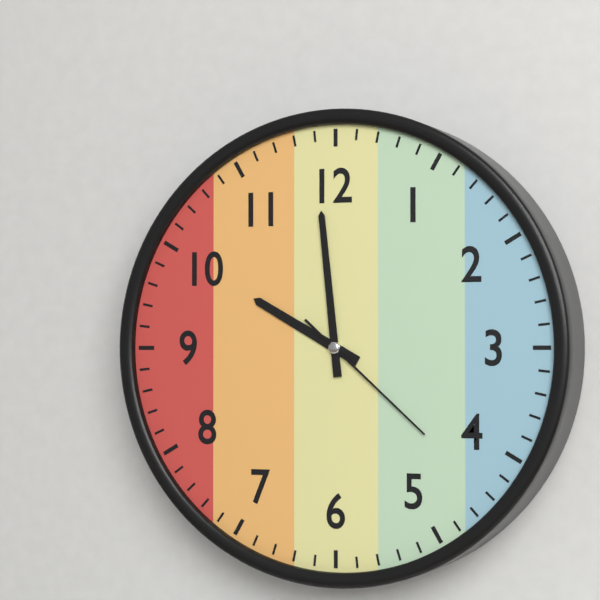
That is 9.59.22
